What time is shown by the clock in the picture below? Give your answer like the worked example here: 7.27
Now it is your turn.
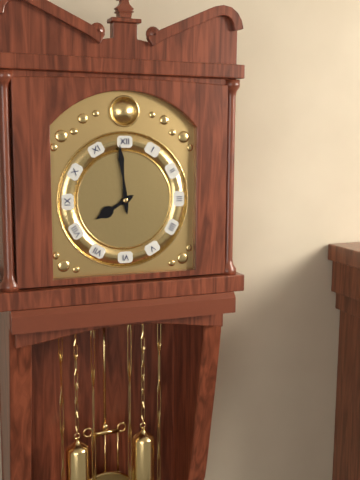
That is 7.59
